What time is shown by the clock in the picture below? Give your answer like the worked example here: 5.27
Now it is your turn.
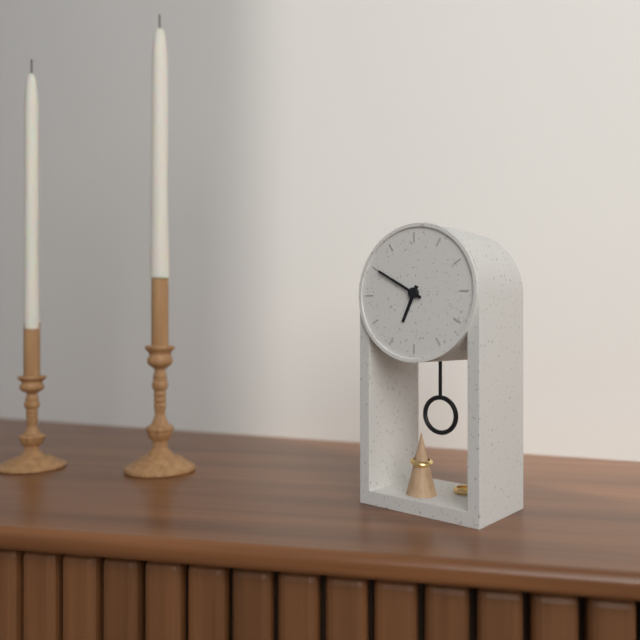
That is 6.50
